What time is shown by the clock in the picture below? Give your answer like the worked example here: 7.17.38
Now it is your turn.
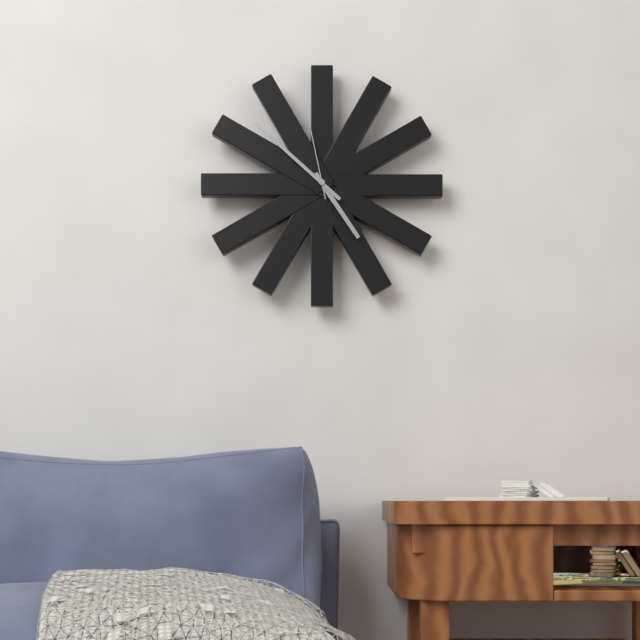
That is 4.52.58
